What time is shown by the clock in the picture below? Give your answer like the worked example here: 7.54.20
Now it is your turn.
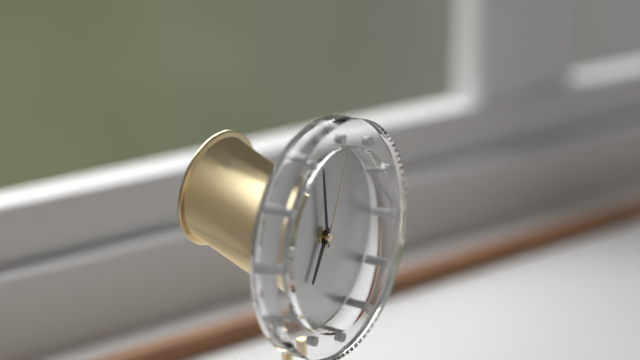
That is 6.59.04
